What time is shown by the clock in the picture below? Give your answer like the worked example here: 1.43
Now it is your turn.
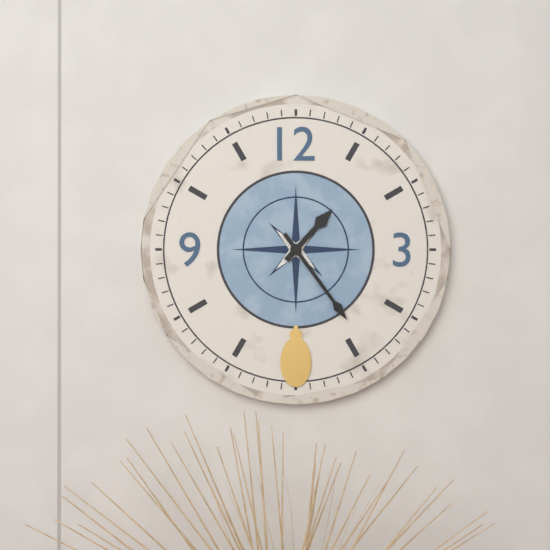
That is 1.24
